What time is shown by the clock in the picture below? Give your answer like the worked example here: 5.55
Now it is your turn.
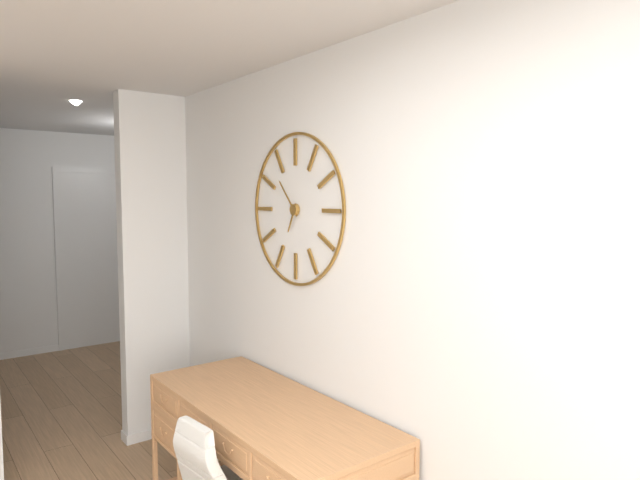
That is 6.53
